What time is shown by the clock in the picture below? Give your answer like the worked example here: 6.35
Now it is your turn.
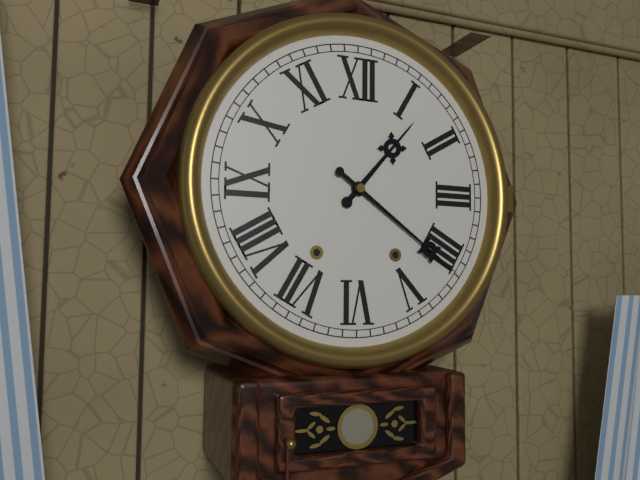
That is 1.21
